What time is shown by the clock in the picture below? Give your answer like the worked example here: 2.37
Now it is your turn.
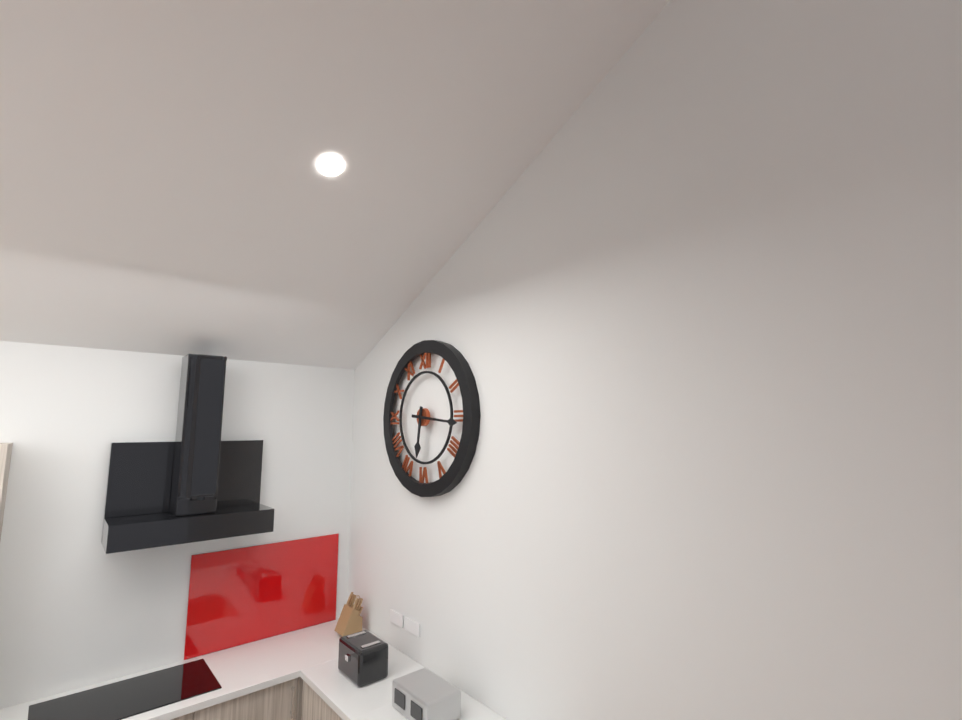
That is 6.16
